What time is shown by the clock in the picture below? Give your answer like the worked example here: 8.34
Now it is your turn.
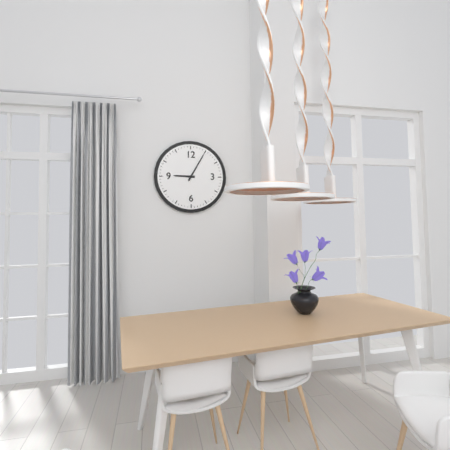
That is 9.05
